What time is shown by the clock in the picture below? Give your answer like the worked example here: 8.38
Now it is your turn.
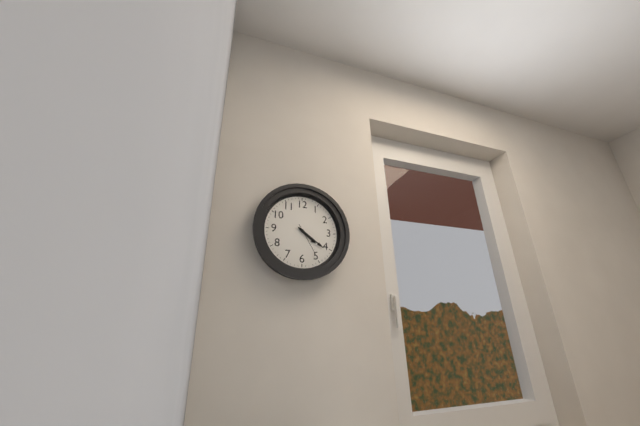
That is 4.21
